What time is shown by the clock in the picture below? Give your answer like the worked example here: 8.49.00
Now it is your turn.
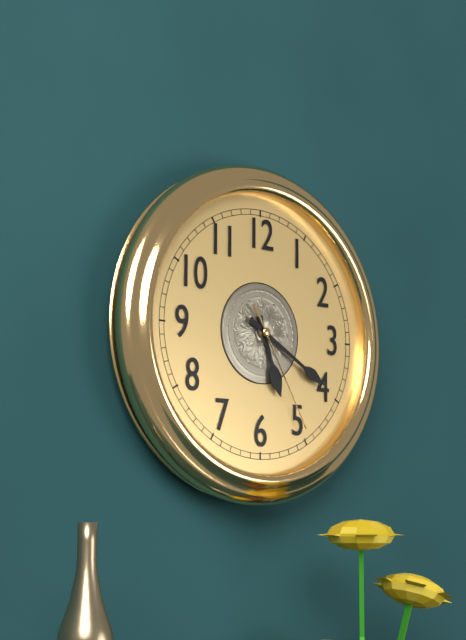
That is 5.20.25
